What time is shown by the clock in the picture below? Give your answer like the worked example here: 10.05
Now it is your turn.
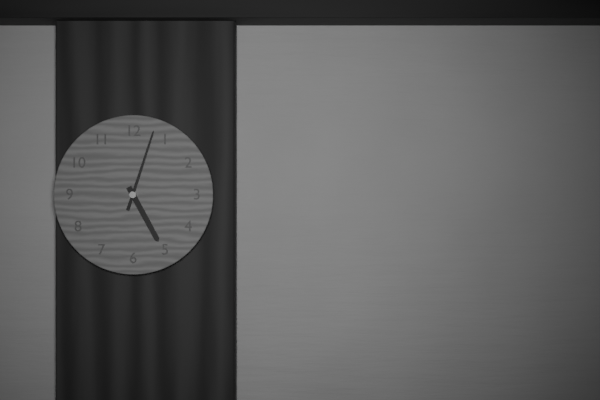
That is 5.03
